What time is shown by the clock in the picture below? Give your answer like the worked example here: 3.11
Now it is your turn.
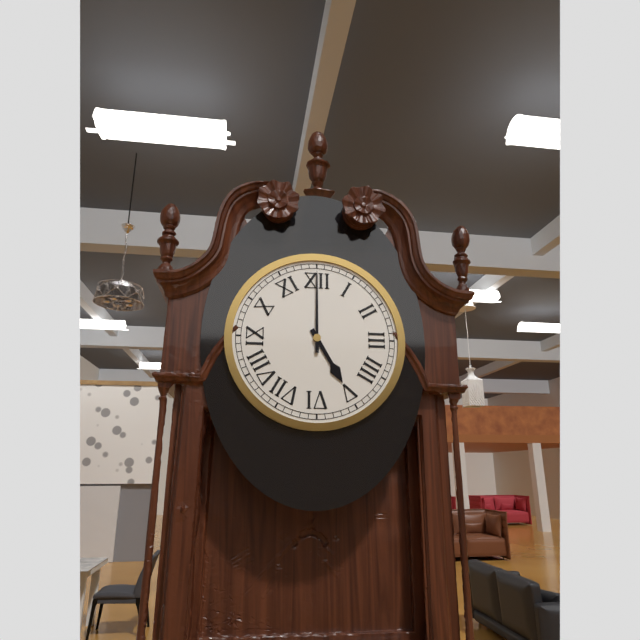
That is 5.00
